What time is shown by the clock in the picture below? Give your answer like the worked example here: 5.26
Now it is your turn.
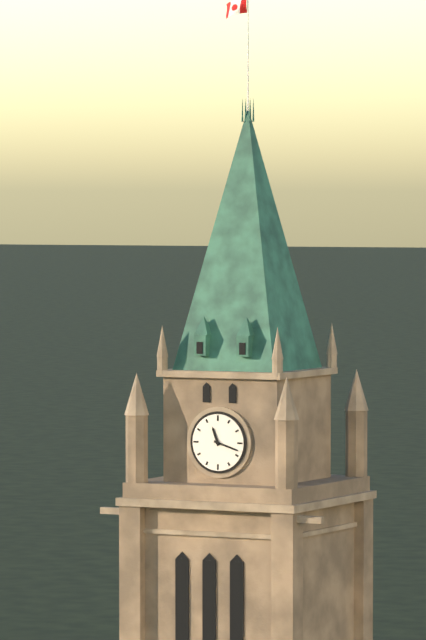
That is 11.18
